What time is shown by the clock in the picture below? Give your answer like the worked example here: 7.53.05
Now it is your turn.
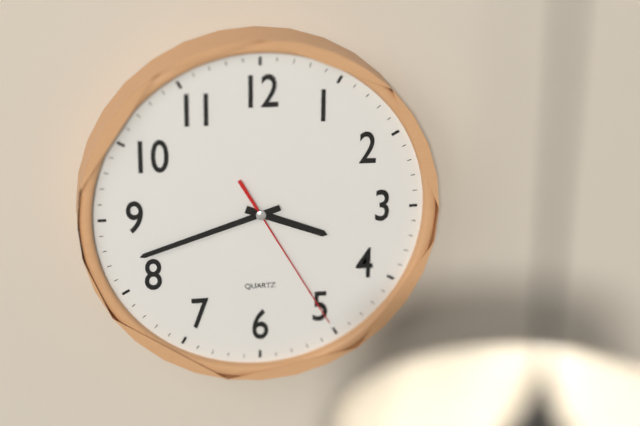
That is 3.42.25
